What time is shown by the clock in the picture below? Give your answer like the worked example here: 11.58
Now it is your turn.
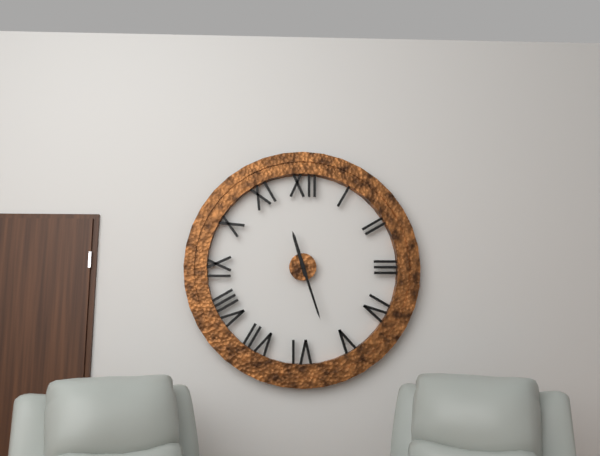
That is 11.27
